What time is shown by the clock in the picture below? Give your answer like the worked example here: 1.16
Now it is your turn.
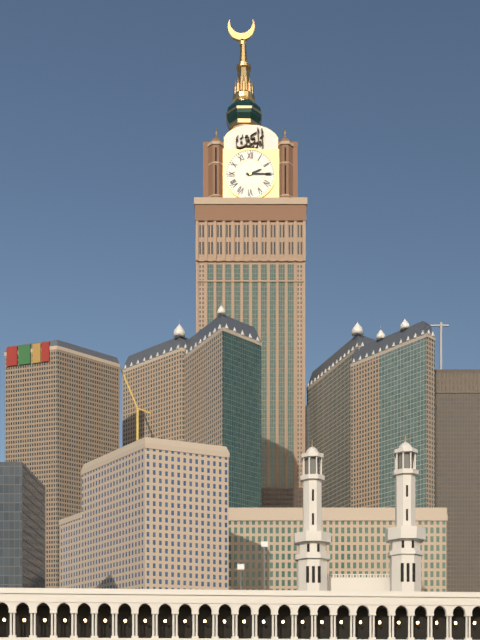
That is 2.15
